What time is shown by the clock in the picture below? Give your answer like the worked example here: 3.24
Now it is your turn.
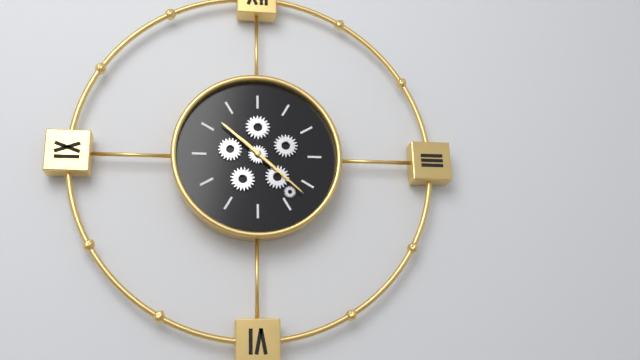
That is 10.22
